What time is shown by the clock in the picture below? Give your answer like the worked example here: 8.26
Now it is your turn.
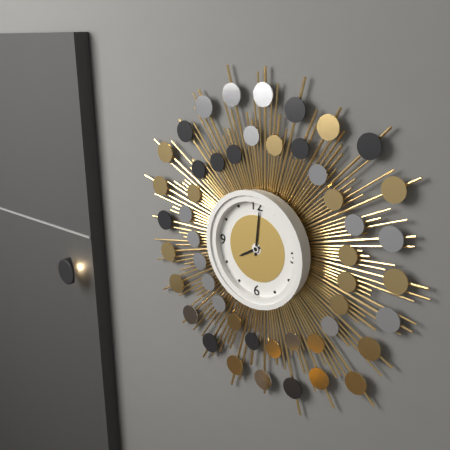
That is 8.01
